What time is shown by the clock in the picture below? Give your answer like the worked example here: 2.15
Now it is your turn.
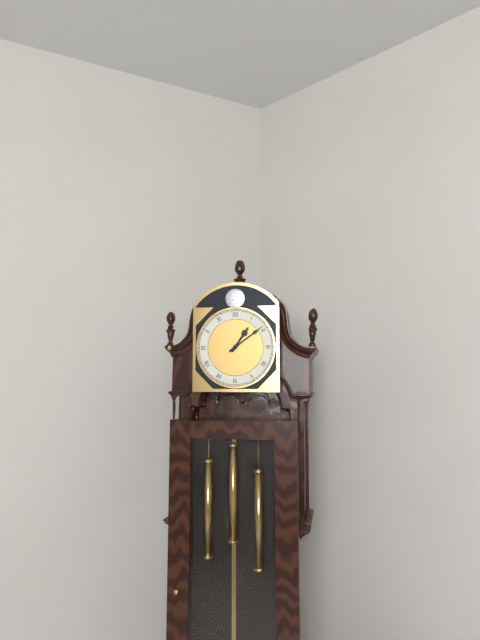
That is 1.09
